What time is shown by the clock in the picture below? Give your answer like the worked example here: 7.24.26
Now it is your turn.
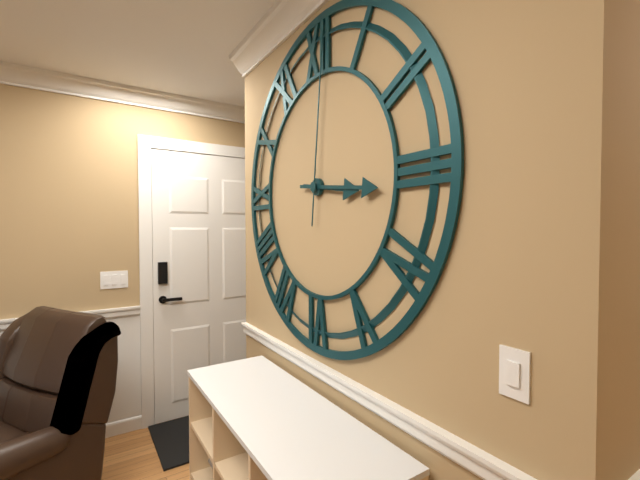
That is 3.16.01
